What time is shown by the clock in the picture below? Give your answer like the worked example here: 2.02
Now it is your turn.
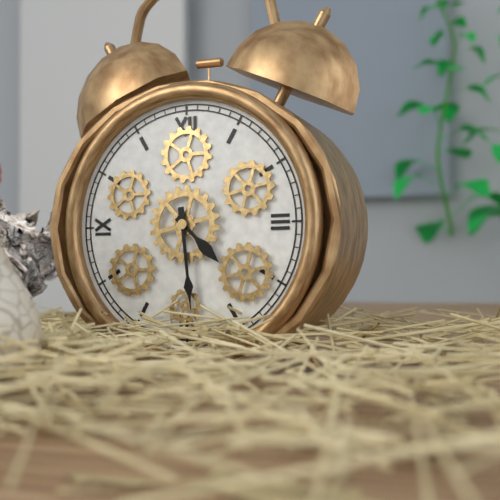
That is 4.29
